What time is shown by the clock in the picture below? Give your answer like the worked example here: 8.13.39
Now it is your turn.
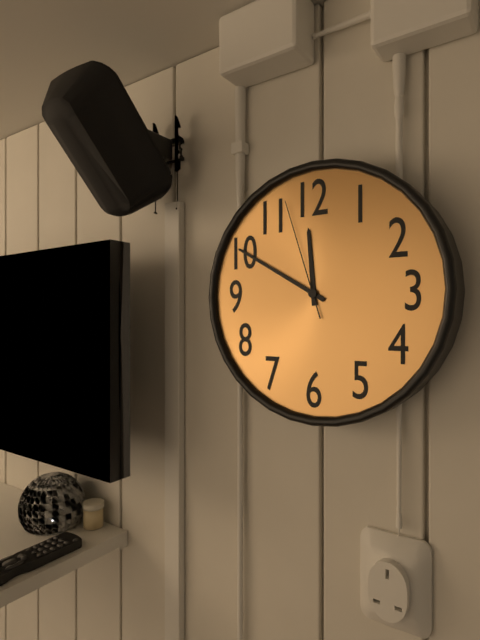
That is 11.50.57
